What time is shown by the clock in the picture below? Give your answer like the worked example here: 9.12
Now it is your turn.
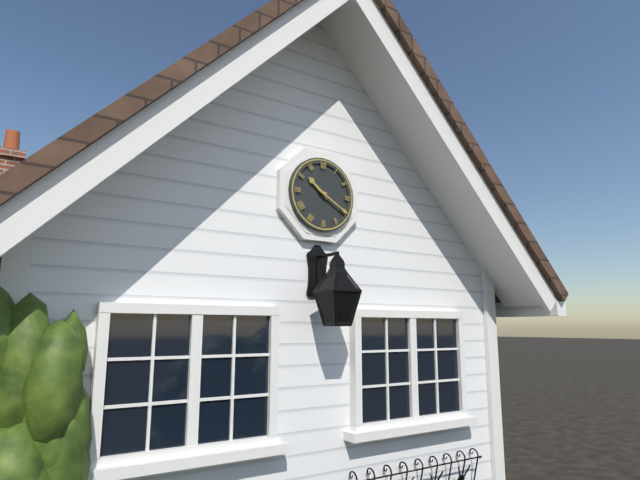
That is 10.20
